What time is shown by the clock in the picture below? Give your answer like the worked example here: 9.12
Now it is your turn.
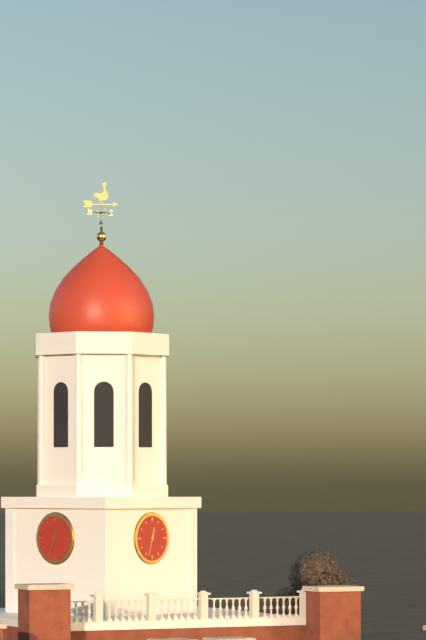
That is 12.33
